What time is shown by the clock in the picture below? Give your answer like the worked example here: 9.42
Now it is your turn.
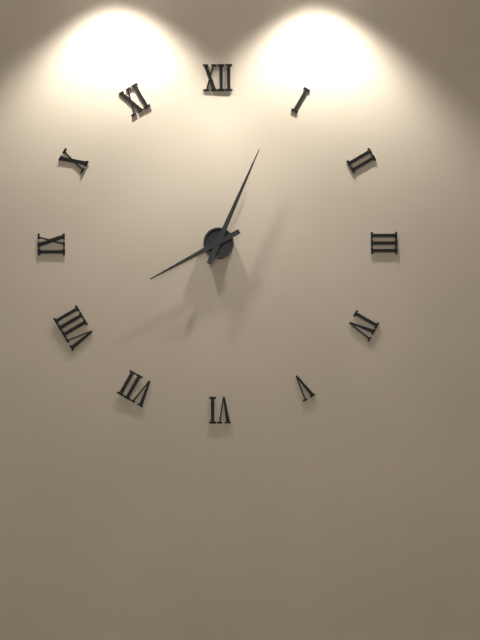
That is 8.04
